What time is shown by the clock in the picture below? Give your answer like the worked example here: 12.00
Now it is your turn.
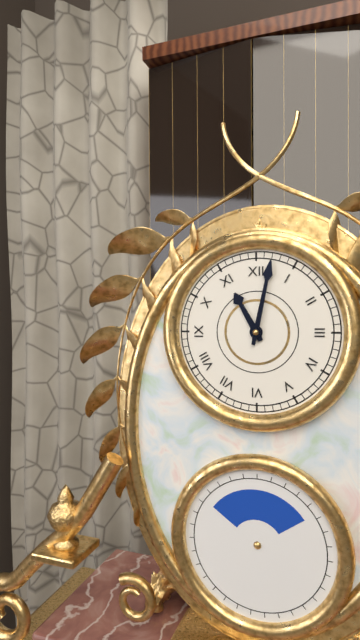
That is 11.02
